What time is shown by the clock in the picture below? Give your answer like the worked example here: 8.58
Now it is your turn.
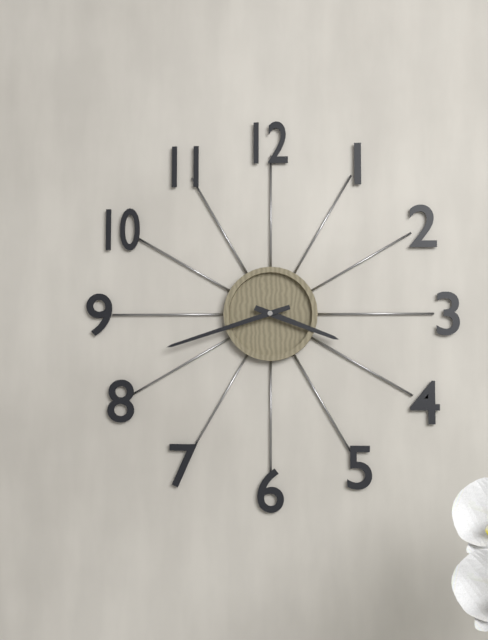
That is 3.42
